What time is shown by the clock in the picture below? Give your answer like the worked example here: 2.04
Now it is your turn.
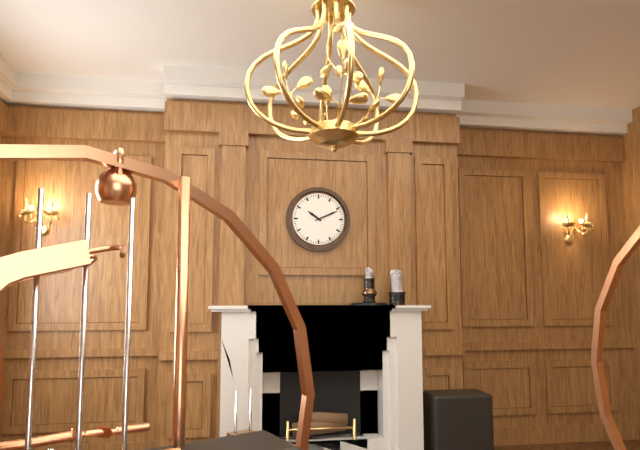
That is 10.11
